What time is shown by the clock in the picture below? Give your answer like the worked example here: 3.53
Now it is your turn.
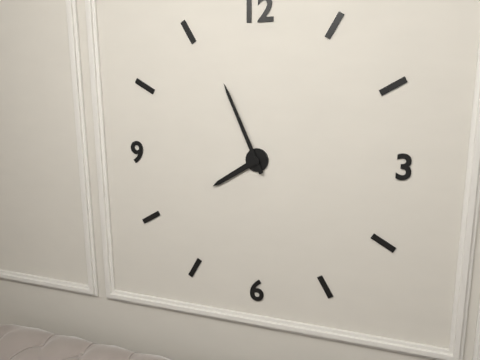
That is 7.56
